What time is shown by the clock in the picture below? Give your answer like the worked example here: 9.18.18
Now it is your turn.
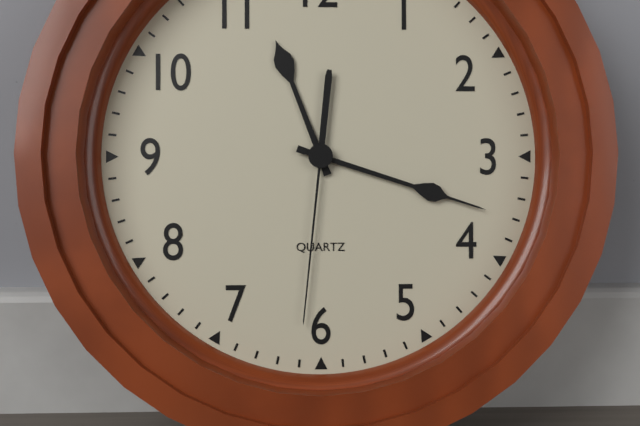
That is 11.18.31
